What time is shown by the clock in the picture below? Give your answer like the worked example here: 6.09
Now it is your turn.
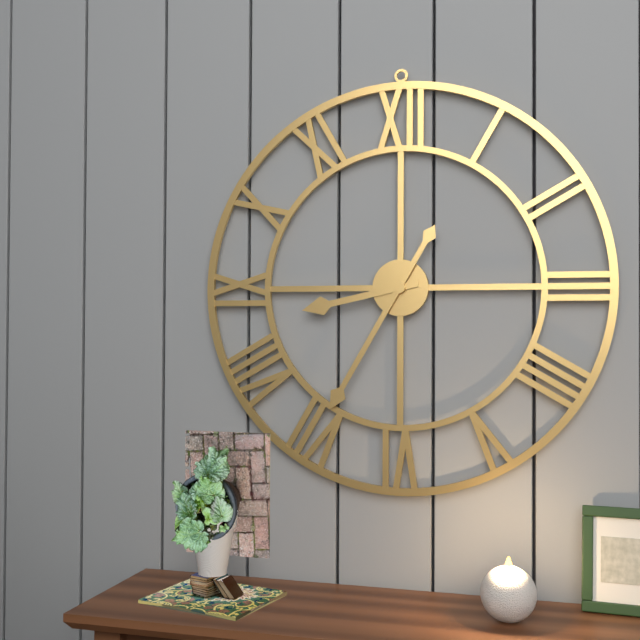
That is 8.35
